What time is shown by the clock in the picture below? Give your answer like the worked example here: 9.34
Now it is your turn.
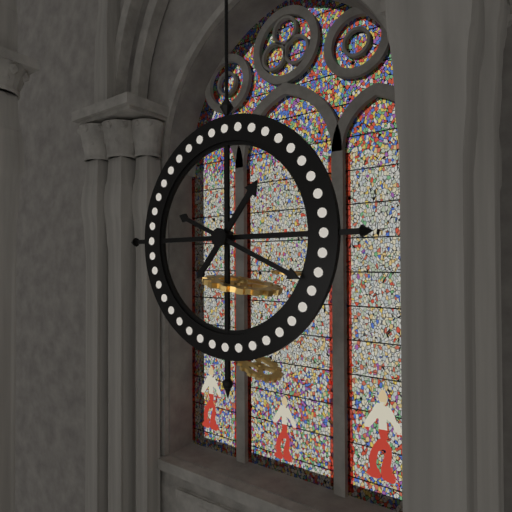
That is 1.19
